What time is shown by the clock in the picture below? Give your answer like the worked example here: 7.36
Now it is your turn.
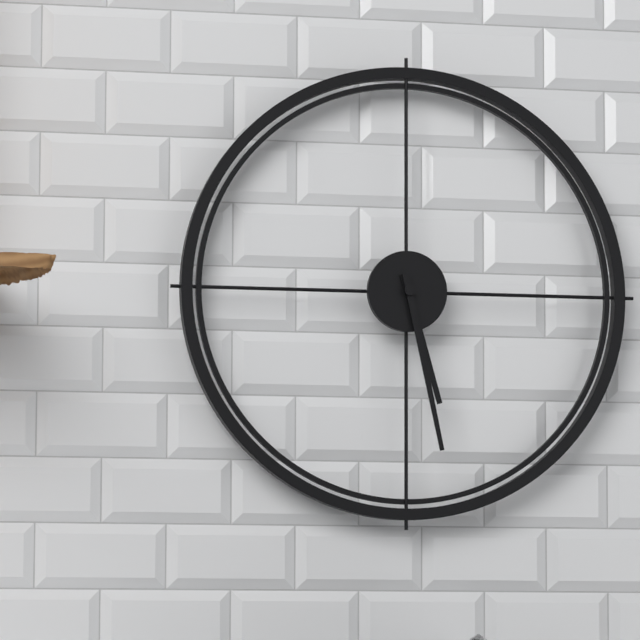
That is 5.28
